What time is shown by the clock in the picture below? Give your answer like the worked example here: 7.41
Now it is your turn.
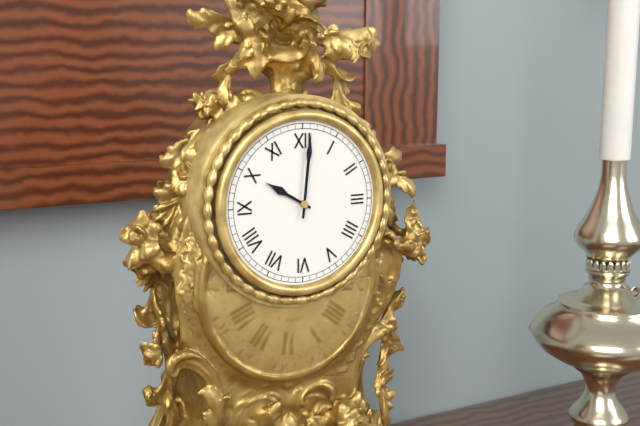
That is 10.01
